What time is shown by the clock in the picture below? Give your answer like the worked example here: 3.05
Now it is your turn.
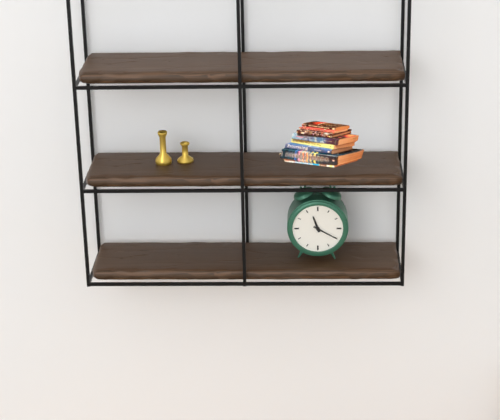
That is 11.20
